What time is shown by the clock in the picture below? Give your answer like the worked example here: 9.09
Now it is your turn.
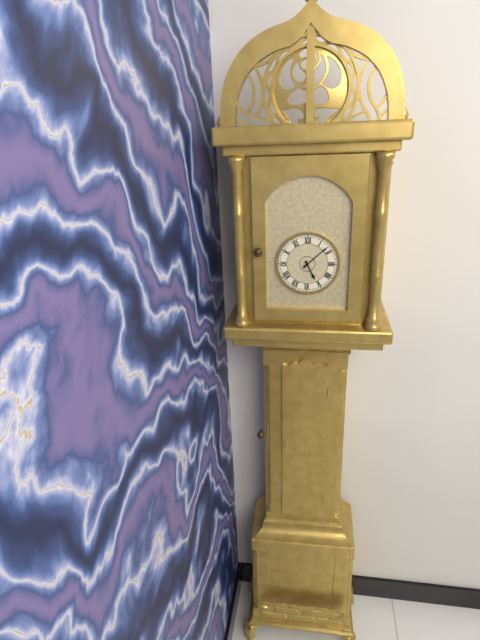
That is 5.08
